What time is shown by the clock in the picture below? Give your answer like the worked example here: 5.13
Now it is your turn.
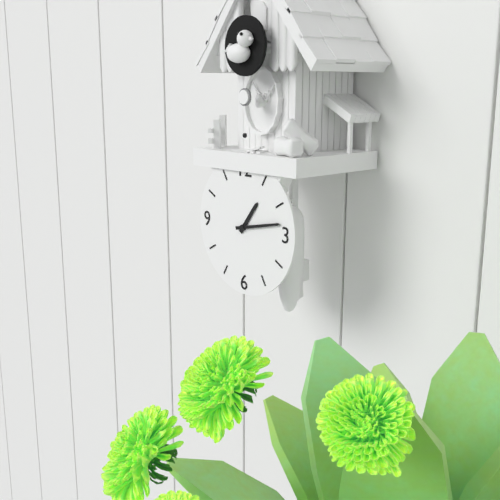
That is 1.13
